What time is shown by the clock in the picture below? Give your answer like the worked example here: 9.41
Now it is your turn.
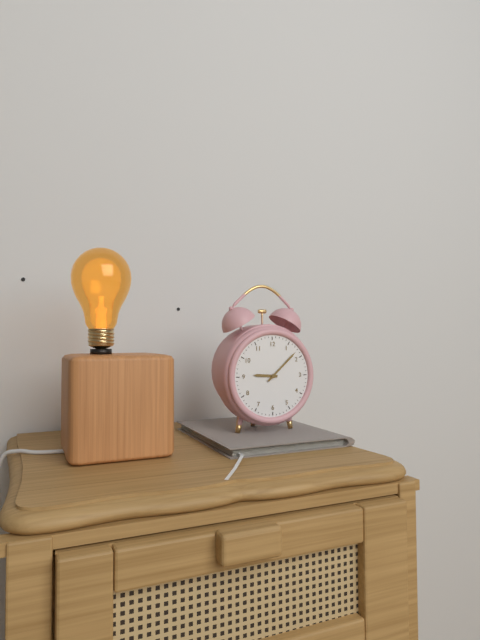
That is 9.08
